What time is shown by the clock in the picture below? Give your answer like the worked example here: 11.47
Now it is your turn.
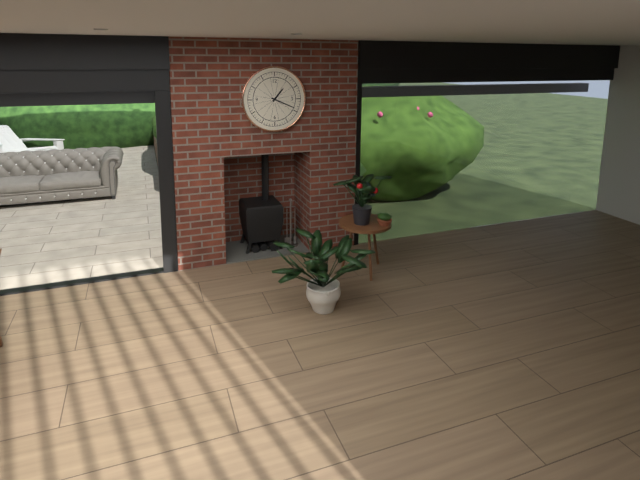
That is 1.19
